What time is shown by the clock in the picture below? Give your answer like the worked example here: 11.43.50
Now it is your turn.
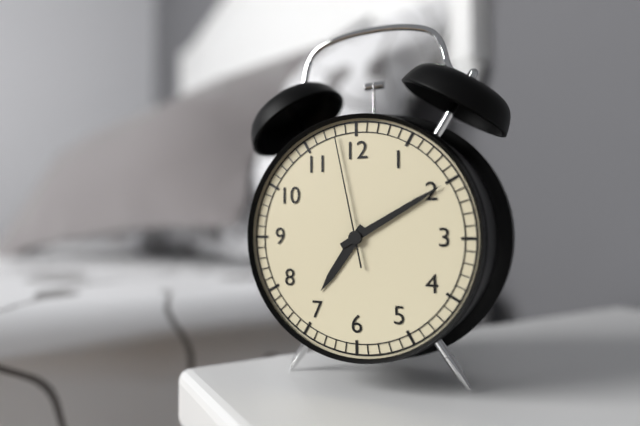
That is 7.10.58
